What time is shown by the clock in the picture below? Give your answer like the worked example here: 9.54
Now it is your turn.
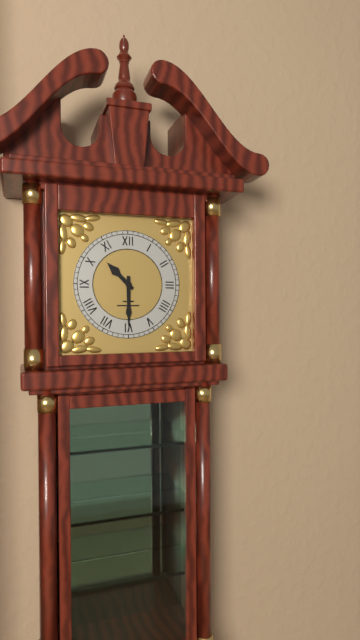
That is 10.30
